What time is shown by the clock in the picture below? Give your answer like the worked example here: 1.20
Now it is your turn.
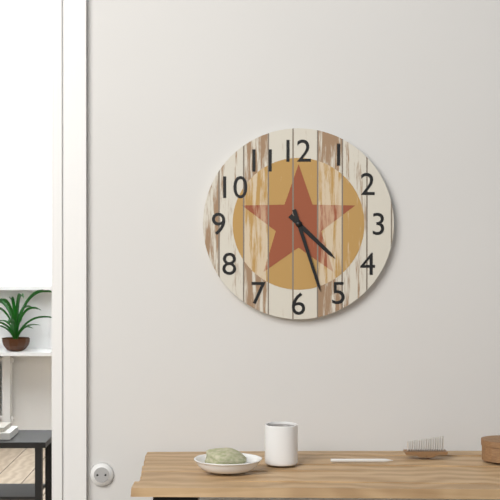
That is 4.27
